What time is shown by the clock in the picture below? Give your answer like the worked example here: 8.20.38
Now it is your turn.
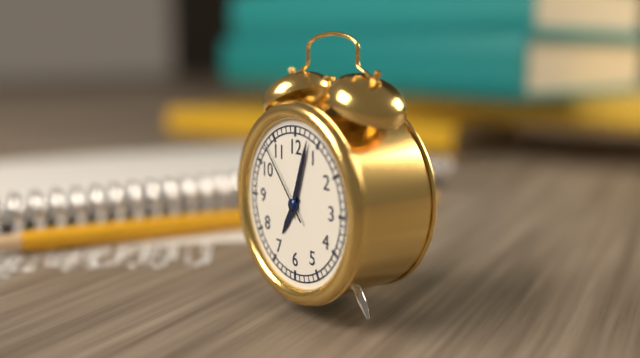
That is 7.03.53
